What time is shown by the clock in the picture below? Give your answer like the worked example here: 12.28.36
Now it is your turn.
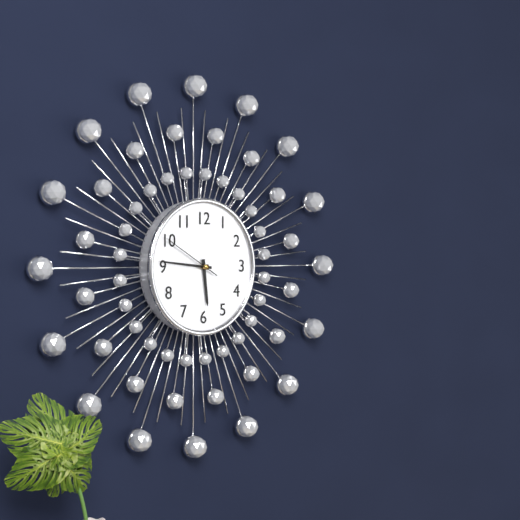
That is 5.46.50
